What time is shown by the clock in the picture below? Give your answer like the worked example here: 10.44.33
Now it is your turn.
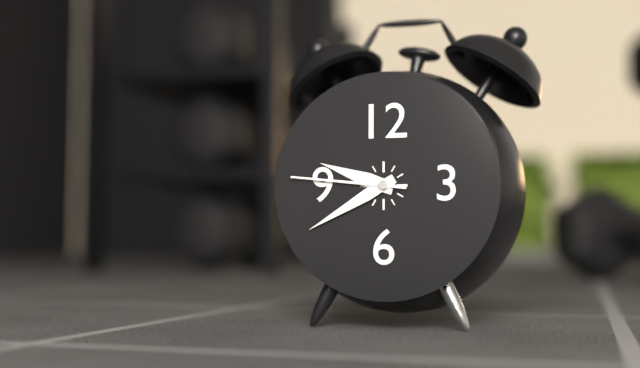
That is 9.40.46
